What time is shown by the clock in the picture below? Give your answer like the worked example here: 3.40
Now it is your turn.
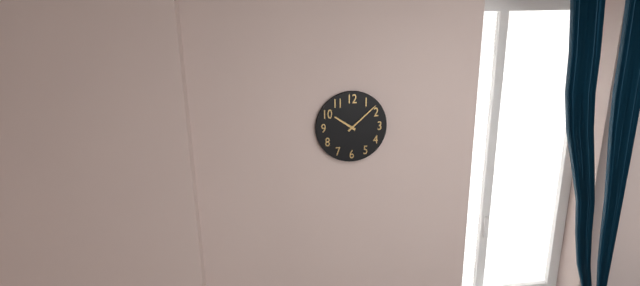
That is 10.08
